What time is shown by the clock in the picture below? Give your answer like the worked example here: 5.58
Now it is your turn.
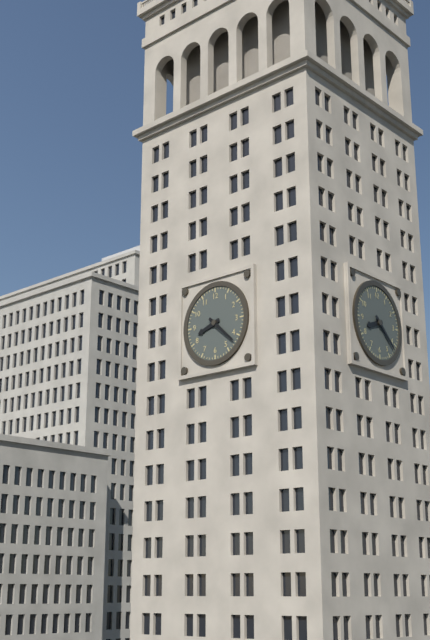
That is 8.22
